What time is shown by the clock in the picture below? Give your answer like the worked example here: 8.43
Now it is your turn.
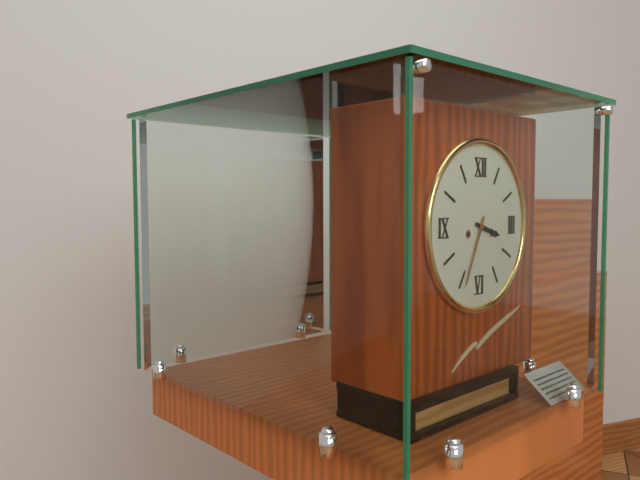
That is 3.34
